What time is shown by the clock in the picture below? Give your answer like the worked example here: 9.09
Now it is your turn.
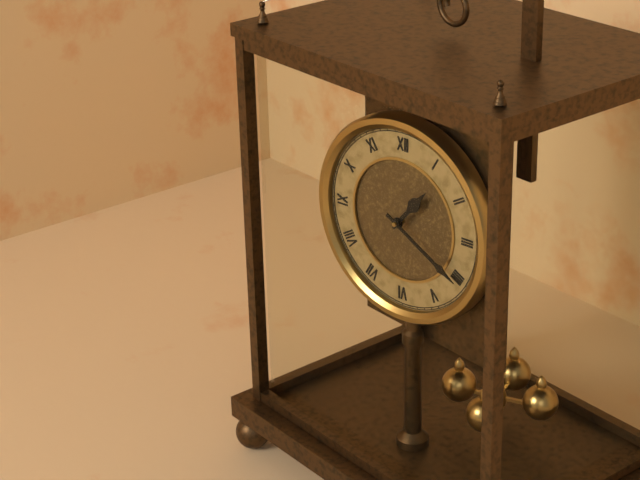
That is 1.20
